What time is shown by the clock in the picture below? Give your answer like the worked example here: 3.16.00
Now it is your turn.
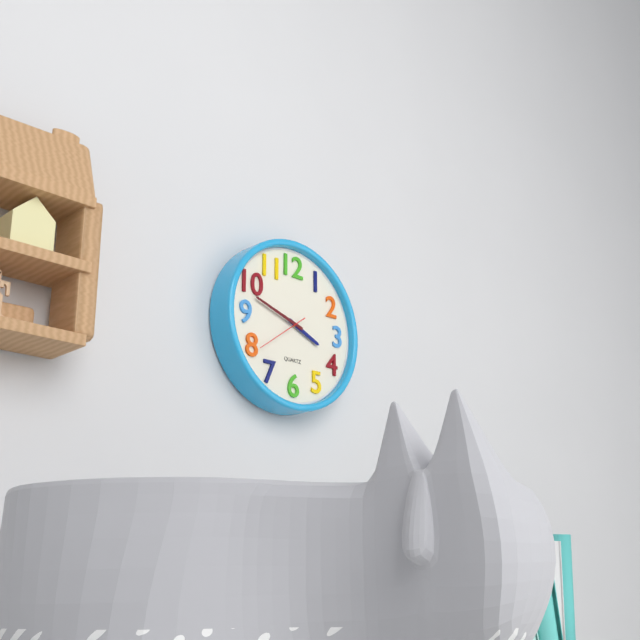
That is 3.48.39
